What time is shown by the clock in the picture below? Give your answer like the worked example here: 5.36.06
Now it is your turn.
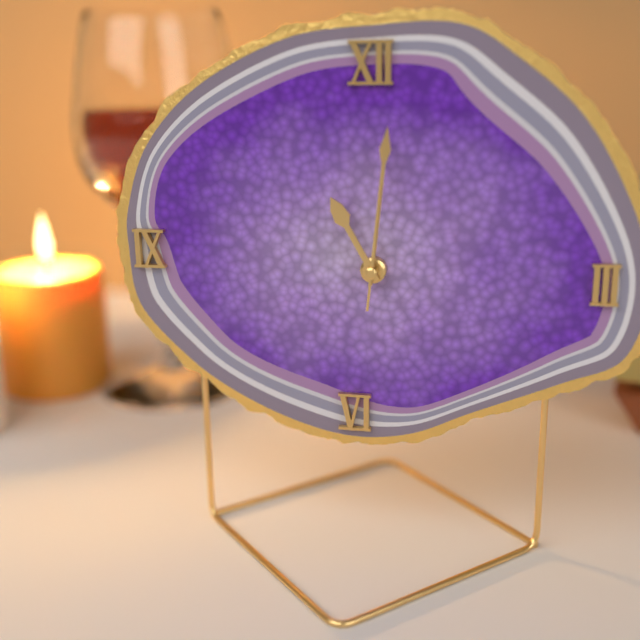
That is 11.01.01
